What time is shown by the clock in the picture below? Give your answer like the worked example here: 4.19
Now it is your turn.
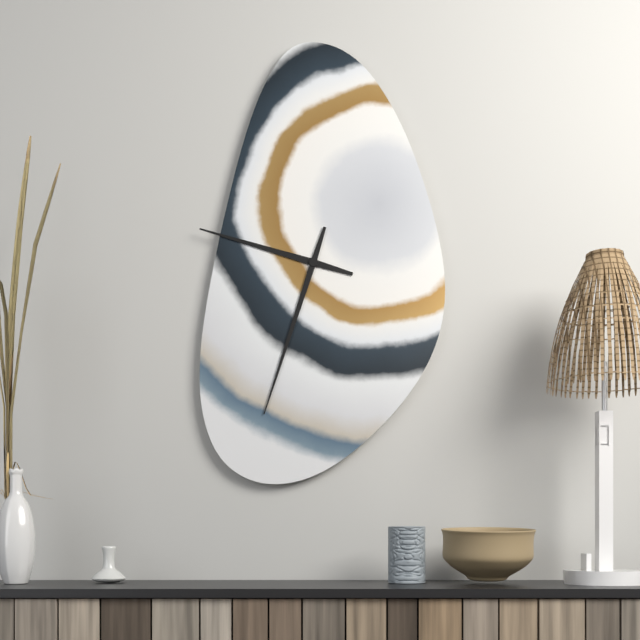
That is 9.33
